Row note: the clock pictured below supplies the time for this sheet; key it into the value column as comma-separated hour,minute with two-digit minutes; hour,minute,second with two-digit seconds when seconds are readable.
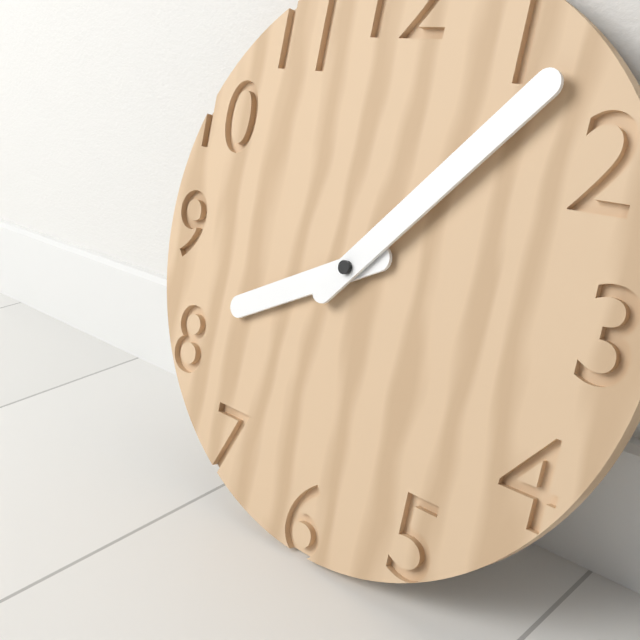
8,07
